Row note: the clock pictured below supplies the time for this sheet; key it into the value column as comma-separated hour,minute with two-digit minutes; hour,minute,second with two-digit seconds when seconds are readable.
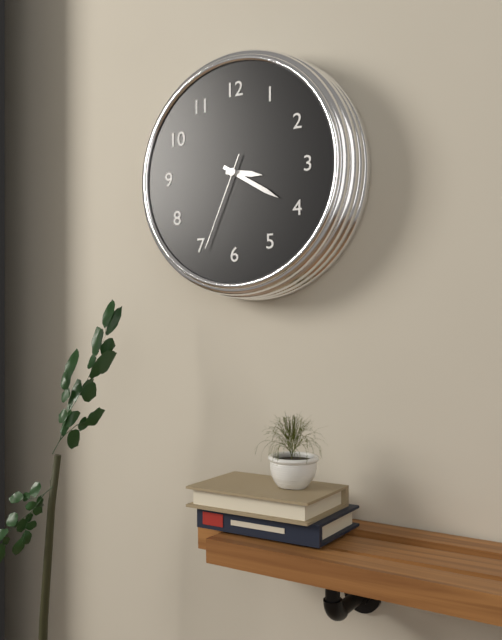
3,20,34
